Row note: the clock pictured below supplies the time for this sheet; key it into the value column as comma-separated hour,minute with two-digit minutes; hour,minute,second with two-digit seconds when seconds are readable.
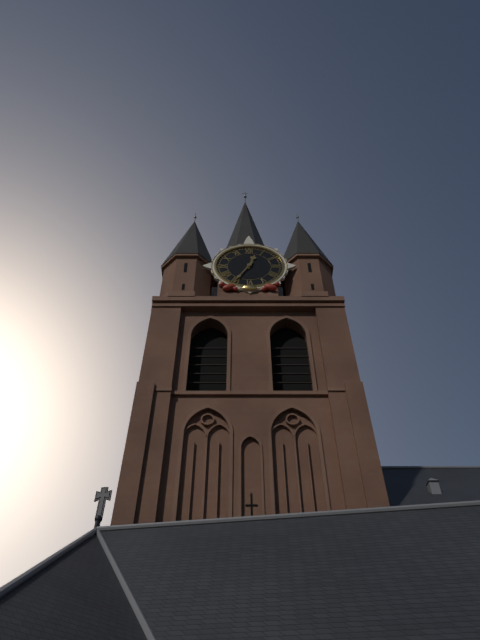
12,35
